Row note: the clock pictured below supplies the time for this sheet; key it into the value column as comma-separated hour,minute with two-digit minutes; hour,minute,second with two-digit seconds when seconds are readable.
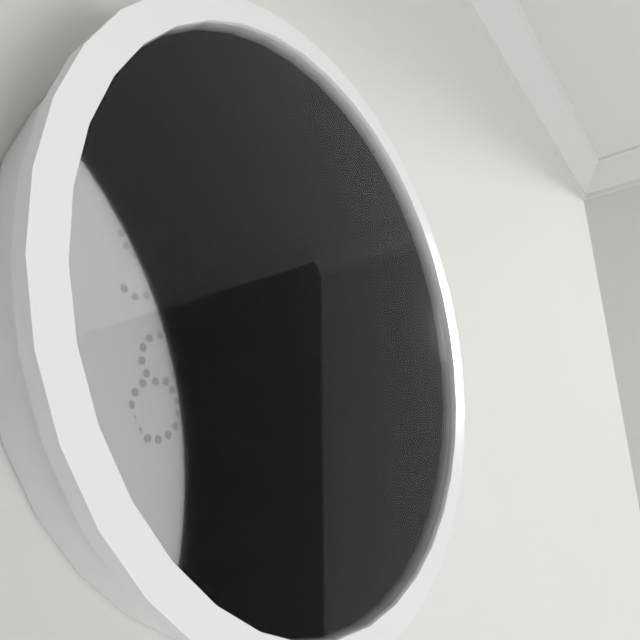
5,11
